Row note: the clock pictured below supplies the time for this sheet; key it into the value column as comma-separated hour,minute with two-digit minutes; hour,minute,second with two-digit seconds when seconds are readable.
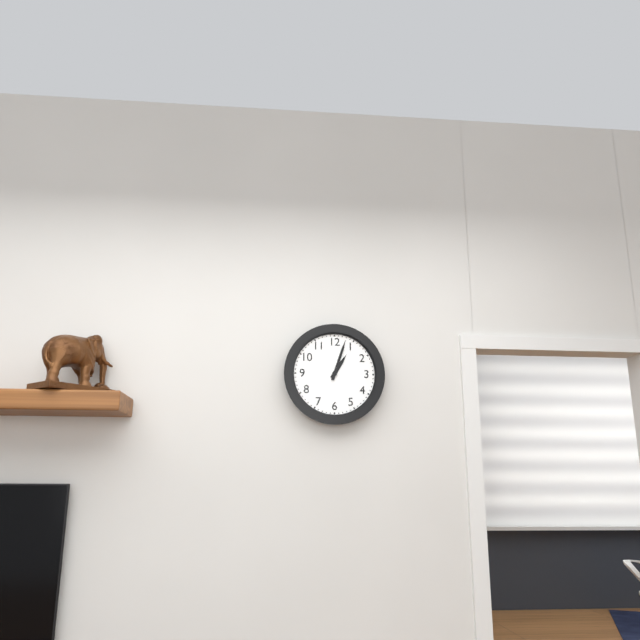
1,03
